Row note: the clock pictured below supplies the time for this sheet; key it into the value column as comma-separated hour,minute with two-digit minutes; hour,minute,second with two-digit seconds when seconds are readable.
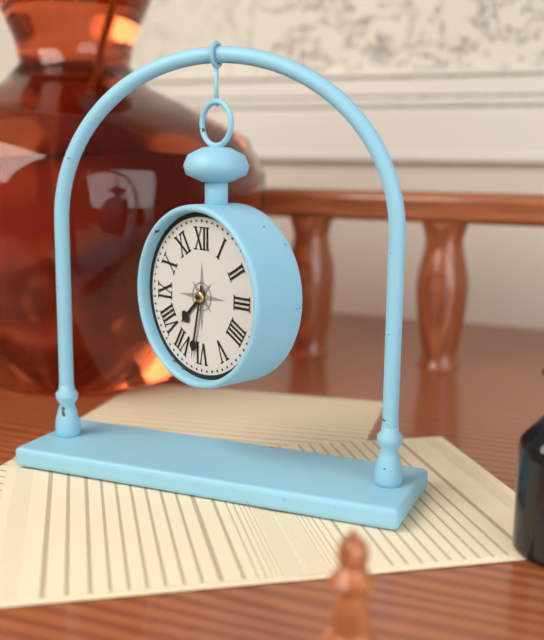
7,32
